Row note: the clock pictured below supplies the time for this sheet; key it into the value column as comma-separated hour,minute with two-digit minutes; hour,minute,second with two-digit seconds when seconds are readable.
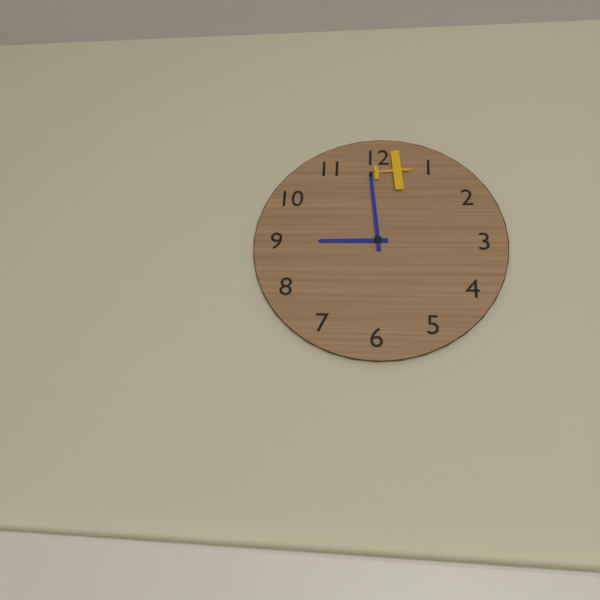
8,59
